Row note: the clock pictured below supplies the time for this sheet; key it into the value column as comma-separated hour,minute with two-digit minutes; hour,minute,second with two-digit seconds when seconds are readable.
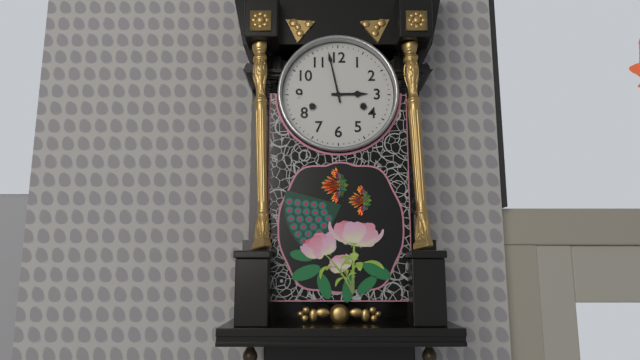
2,58
